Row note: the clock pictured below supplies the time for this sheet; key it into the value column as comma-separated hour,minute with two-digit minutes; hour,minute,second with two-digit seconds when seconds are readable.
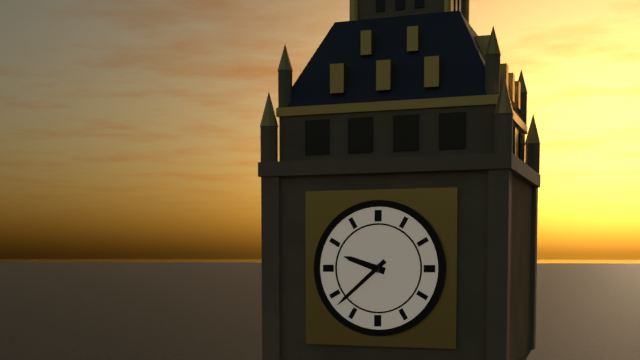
9,38
